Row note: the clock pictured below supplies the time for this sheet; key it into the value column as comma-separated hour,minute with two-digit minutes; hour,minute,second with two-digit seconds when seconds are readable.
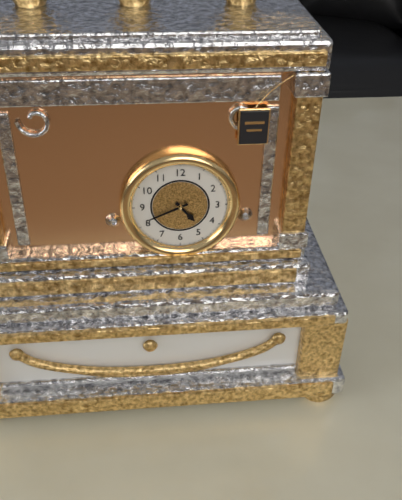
4,41
